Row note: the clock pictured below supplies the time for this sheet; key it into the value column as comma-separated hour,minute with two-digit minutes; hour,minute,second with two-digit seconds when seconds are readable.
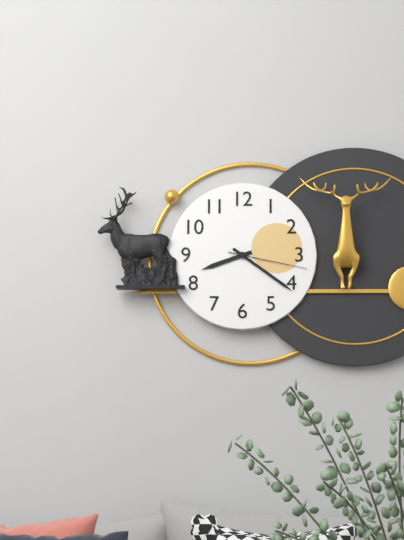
8,21,17
